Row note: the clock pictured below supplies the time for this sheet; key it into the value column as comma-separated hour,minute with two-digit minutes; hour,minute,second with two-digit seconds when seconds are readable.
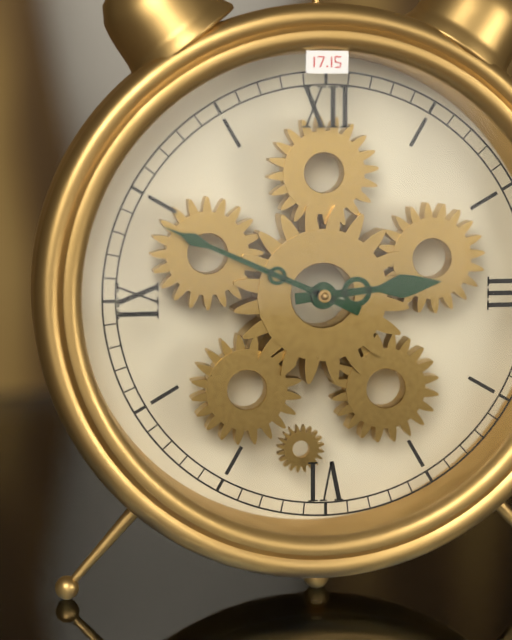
2,49
